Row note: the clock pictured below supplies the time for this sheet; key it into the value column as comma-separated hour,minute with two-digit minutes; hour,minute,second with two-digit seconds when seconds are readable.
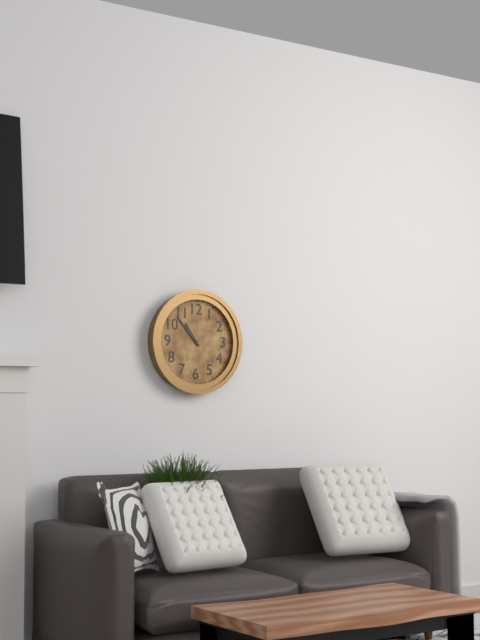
10,53
